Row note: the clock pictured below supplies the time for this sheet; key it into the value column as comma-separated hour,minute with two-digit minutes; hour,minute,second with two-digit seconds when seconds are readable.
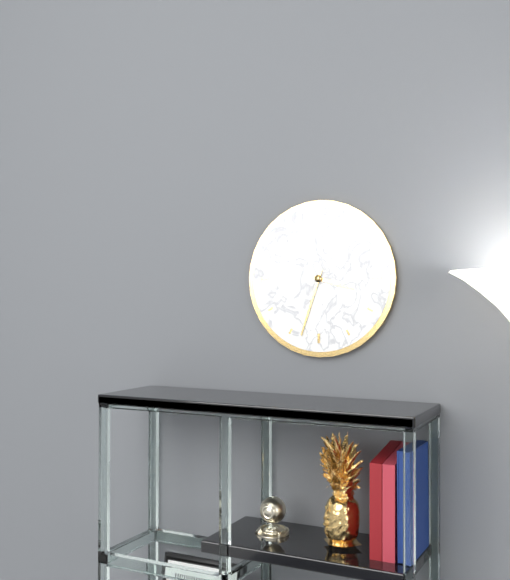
3,33
